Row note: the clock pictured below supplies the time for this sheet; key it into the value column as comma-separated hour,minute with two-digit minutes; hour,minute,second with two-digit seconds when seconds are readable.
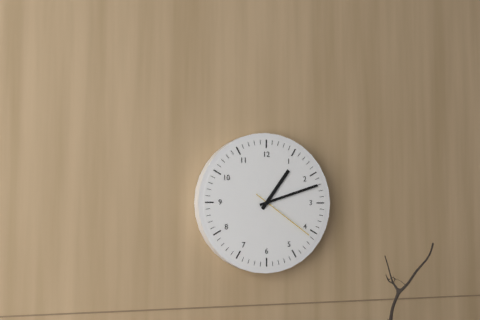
1,12,21
